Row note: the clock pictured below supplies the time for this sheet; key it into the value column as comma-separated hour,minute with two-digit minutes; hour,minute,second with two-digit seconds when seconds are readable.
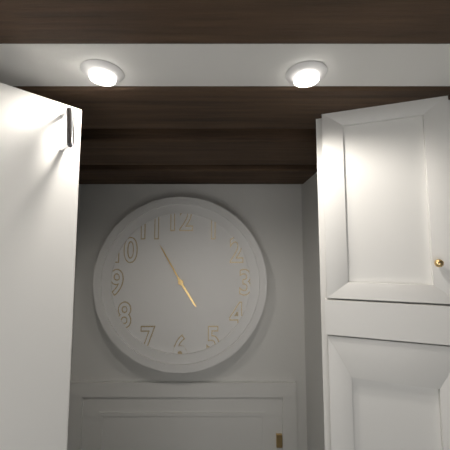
4,55
